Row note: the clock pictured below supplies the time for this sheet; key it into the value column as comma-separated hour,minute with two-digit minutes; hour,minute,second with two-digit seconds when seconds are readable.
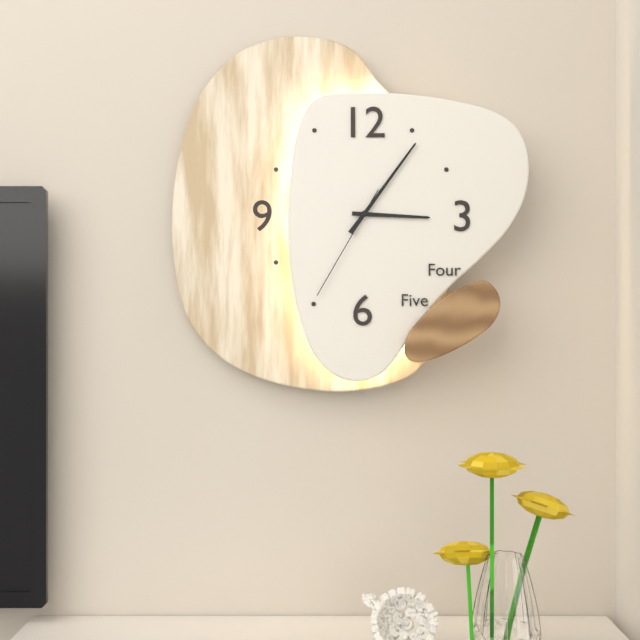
3,06,35
